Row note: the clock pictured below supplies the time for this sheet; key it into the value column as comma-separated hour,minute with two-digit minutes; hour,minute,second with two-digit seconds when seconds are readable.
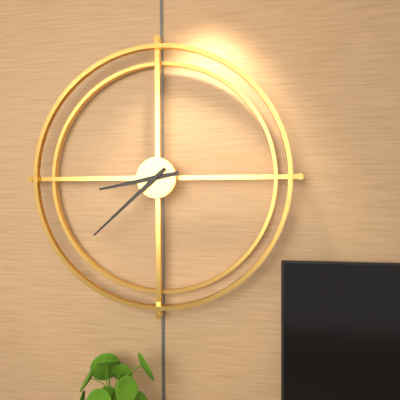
8,38
